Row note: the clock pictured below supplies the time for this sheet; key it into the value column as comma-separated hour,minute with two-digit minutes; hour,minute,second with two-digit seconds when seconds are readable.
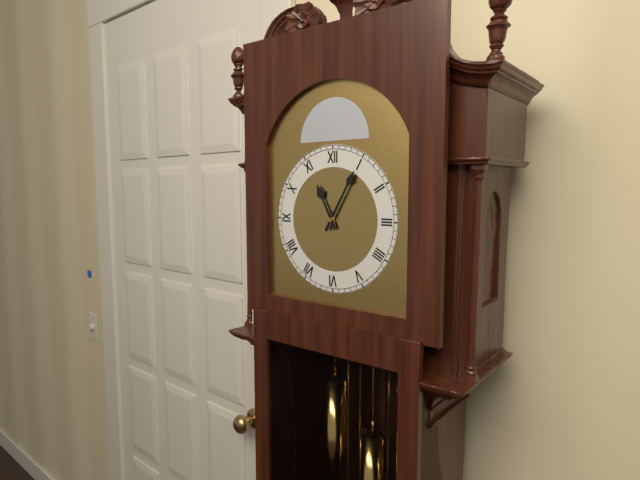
11,05
